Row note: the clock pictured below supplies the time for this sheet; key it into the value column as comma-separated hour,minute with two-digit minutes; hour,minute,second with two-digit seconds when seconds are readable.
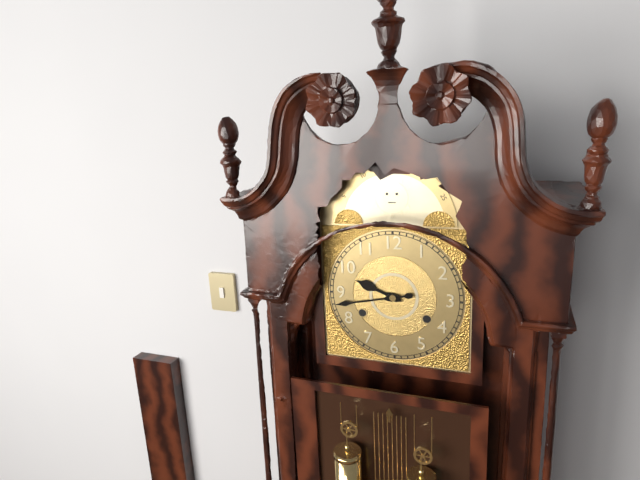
9,43
